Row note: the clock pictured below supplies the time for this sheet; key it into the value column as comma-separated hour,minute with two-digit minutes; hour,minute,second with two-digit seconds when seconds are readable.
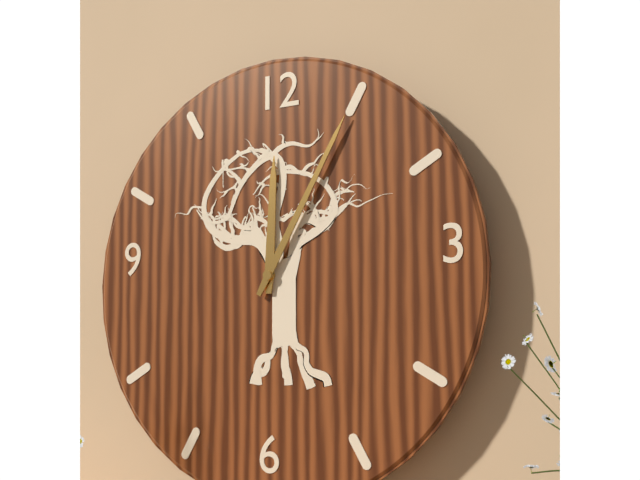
12,05
